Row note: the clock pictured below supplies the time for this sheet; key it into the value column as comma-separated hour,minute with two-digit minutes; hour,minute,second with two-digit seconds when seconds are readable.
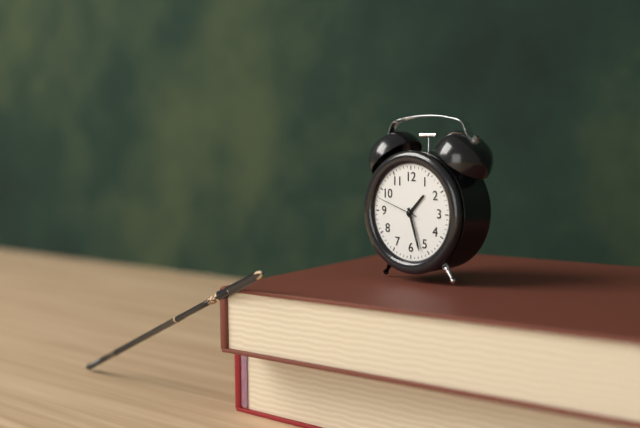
1,27
